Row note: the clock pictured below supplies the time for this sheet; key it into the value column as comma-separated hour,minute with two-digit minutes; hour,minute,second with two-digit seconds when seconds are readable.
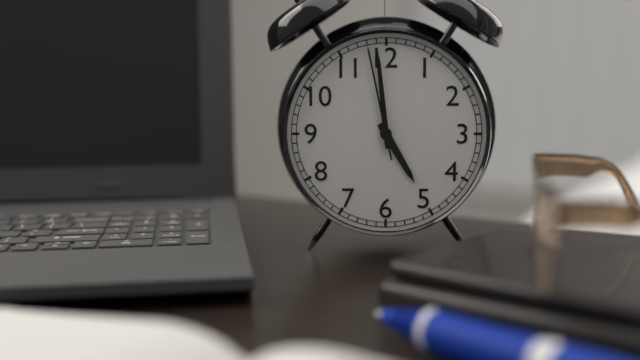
4,59,58
